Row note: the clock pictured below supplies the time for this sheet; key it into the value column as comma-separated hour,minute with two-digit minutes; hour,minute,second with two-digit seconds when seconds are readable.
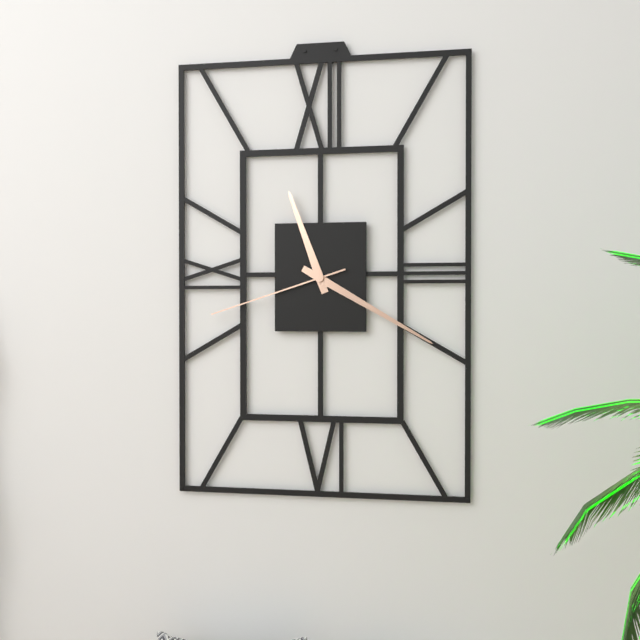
11,20,42
